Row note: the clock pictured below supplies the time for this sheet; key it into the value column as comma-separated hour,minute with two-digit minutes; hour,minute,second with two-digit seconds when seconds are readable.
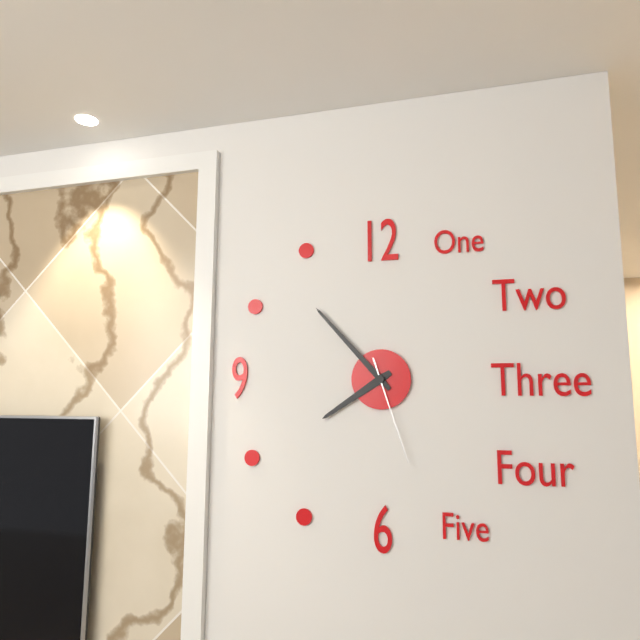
7,53,27
